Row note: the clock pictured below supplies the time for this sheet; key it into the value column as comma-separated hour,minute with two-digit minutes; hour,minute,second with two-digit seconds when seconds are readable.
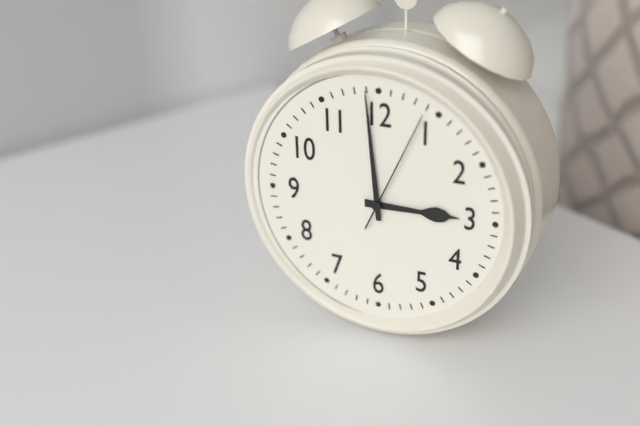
2,59,04
